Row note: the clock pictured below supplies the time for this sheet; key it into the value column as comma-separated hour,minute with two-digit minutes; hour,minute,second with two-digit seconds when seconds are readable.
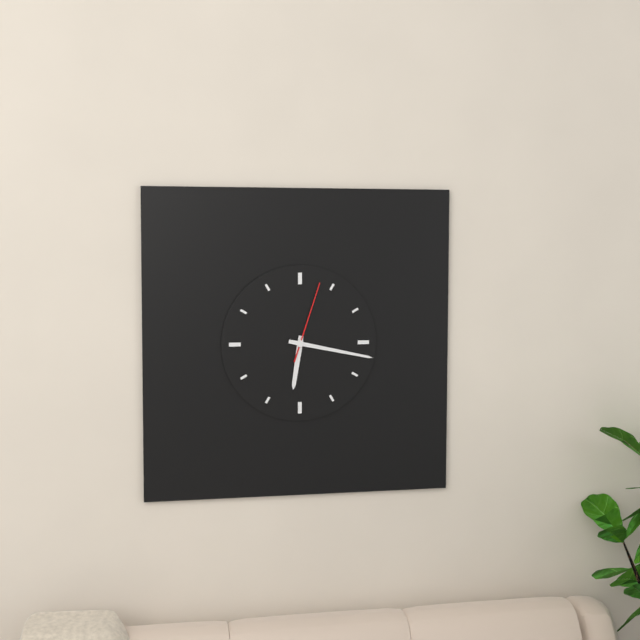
6,17,03
